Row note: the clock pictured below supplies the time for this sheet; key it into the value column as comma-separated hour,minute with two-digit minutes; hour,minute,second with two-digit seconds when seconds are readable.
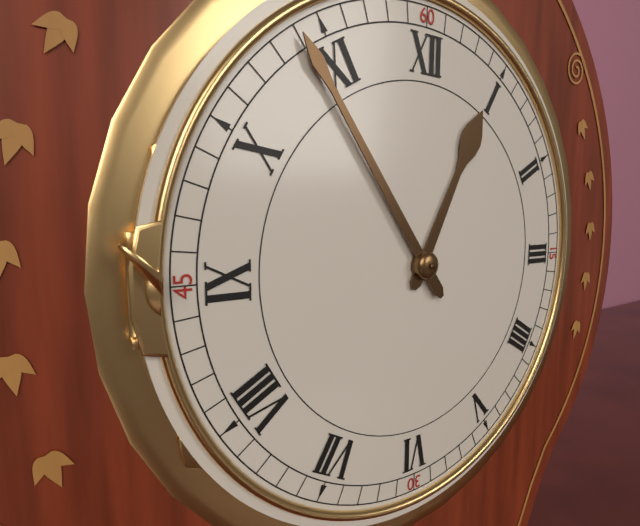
12,54
